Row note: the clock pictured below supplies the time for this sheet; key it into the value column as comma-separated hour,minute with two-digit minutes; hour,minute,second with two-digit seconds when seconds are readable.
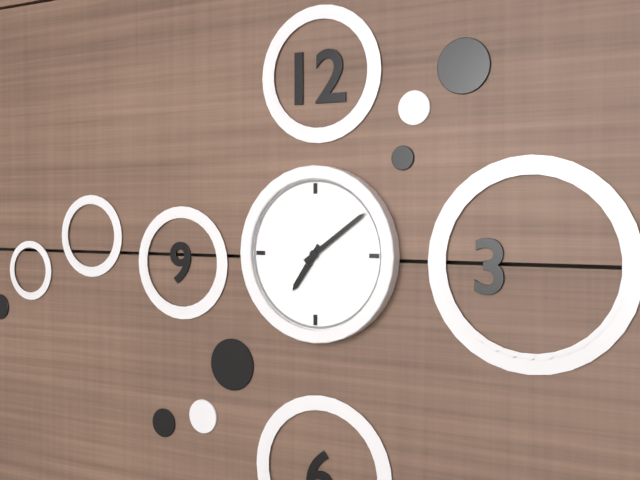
7,09
